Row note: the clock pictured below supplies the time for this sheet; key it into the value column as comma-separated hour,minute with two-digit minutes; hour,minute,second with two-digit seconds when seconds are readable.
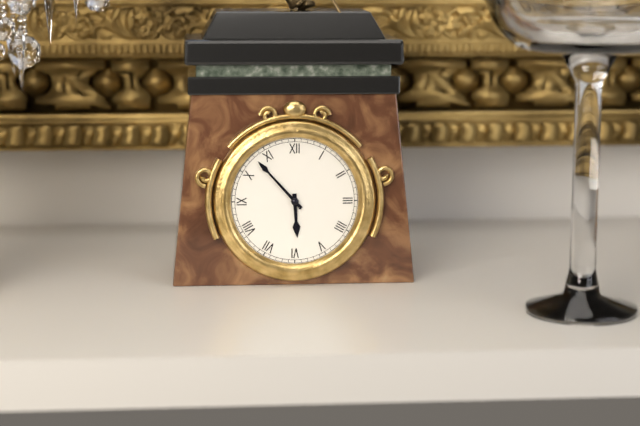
5,53
